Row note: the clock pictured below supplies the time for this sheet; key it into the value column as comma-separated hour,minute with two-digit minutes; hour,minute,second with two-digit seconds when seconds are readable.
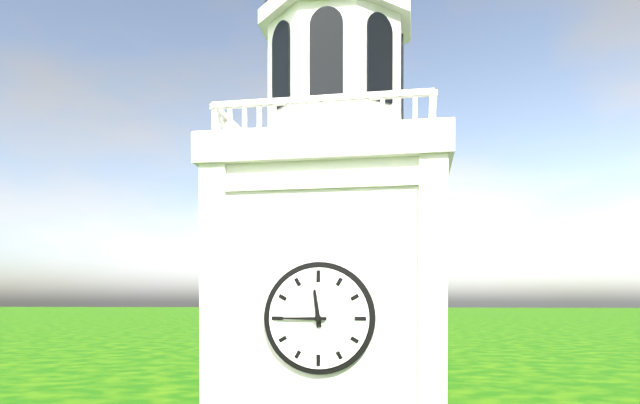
11,45
